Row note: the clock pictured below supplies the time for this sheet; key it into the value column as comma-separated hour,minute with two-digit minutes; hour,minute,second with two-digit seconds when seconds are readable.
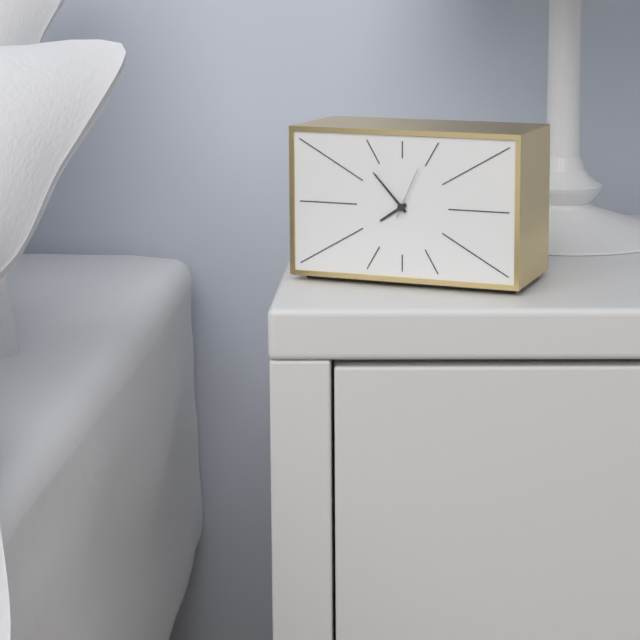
7,53,04
